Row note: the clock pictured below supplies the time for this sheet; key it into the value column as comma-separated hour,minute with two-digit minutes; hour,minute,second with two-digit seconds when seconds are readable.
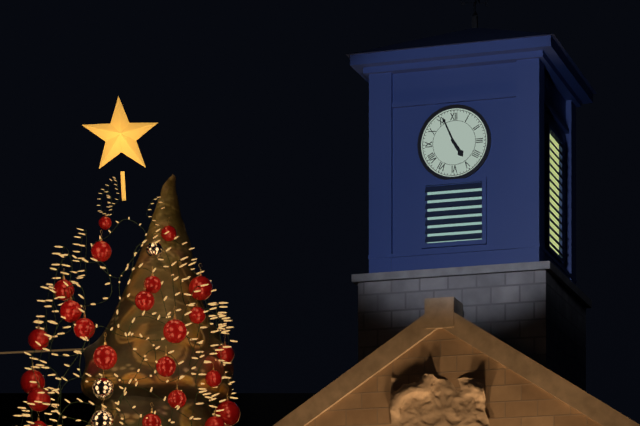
4,56
